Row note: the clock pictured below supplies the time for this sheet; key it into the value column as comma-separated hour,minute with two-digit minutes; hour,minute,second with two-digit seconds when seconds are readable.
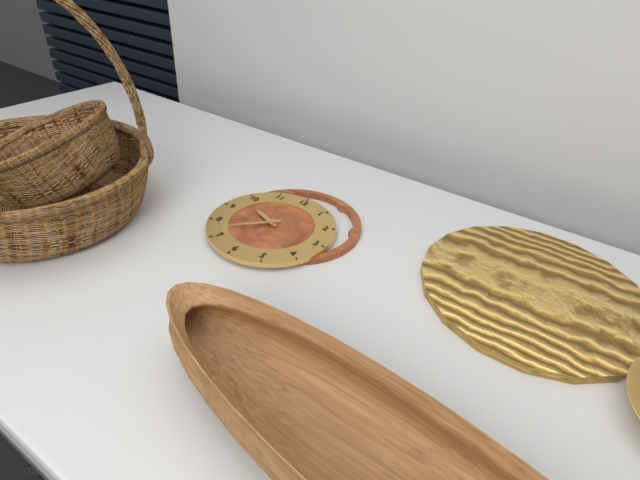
9,37
